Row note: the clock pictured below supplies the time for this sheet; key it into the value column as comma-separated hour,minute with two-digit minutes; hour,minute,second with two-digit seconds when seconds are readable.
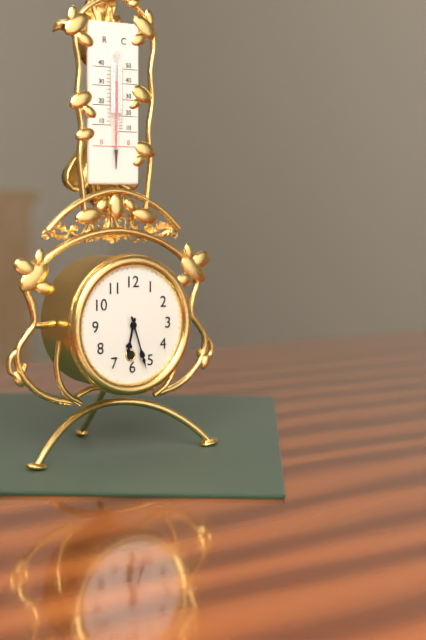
6,27
